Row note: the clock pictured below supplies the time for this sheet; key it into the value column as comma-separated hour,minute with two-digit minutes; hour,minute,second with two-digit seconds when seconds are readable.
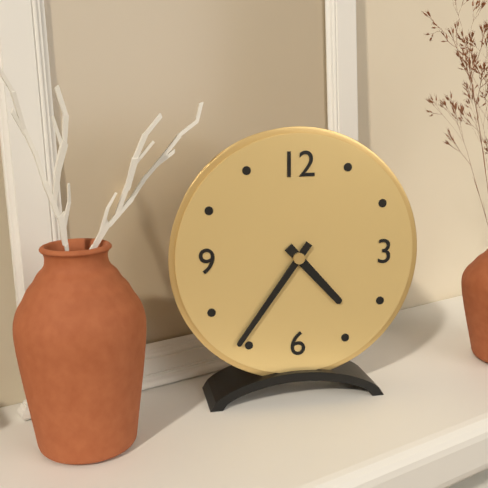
4,36
